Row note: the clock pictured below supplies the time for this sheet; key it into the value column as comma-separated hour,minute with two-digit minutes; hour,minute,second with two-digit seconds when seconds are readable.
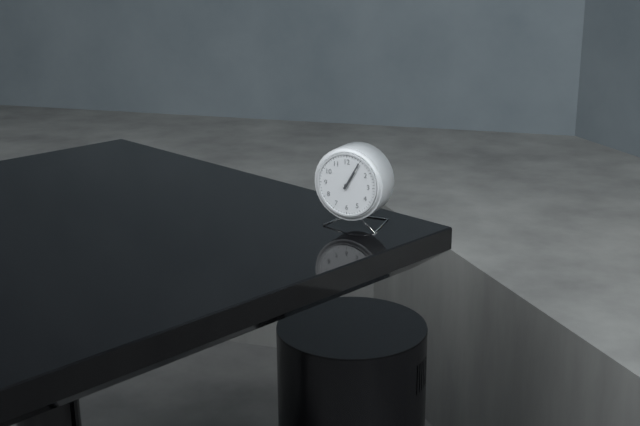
1,05
